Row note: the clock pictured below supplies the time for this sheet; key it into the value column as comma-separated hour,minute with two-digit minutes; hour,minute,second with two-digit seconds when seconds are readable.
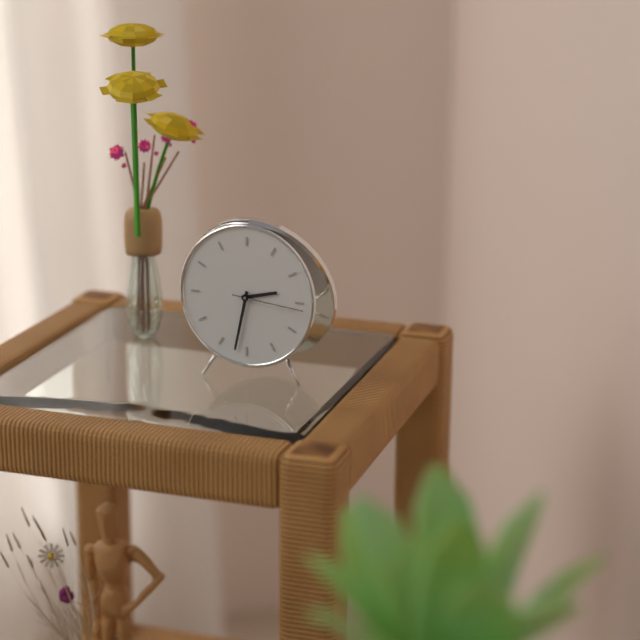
2,32,16
